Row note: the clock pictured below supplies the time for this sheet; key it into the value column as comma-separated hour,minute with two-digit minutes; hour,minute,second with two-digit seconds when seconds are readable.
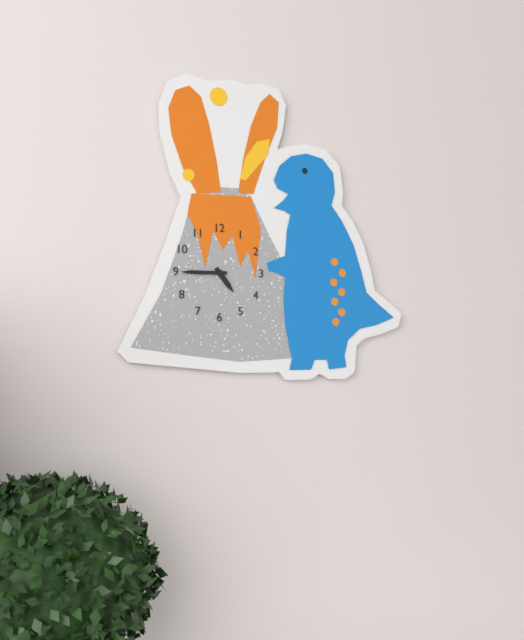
4,45
